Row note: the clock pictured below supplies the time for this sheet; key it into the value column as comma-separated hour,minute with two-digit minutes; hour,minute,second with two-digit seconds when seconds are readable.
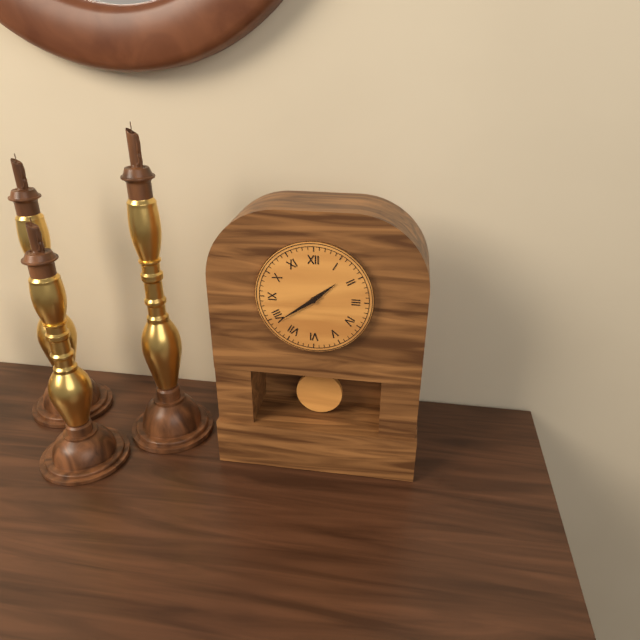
1,39
